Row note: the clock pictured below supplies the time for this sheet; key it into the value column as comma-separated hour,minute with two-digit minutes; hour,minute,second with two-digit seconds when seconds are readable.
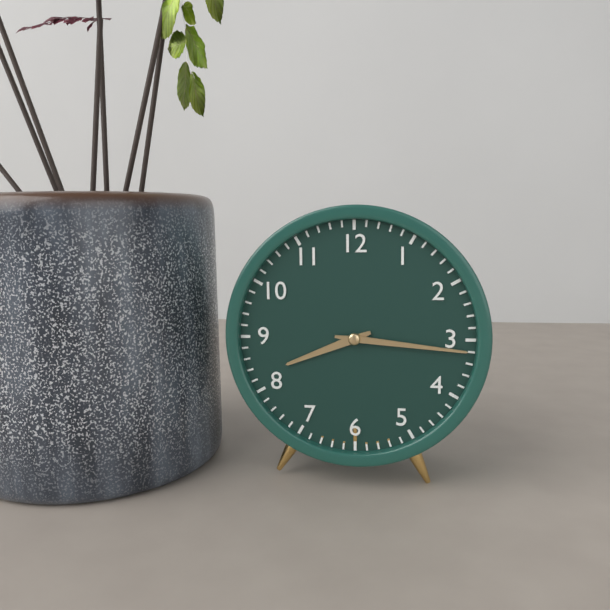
8,16
